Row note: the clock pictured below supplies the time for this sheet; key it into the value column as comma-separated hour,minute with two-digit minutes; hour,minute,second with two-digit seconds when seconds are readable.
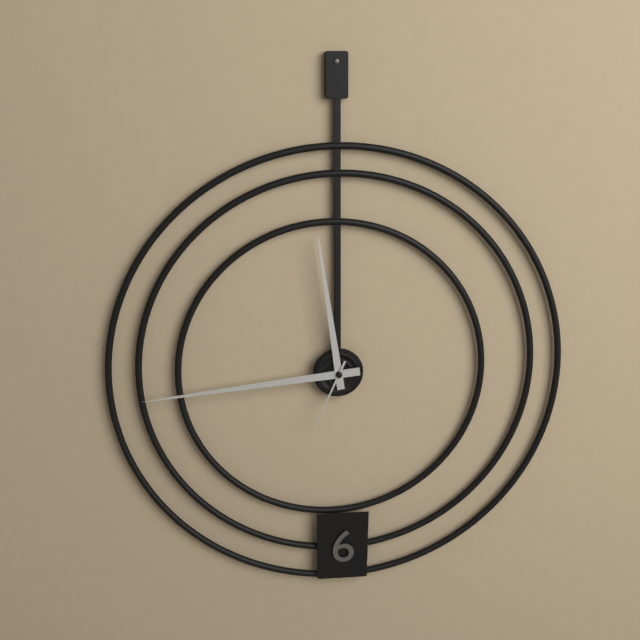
11,44,34
